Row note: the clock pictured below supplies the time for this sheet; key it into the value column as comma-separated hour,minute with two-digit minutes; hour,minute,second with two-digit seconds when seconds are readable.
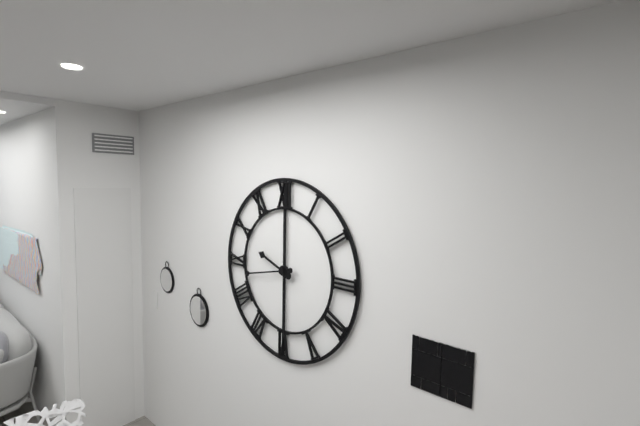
9,43
